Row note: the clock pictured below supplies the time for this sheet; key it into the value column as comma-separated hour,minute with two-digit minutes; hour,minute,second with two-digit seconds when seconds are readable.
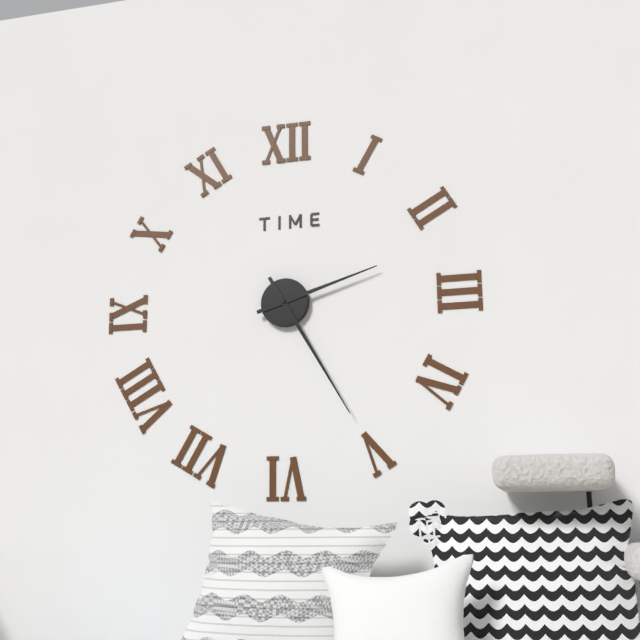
2,25
